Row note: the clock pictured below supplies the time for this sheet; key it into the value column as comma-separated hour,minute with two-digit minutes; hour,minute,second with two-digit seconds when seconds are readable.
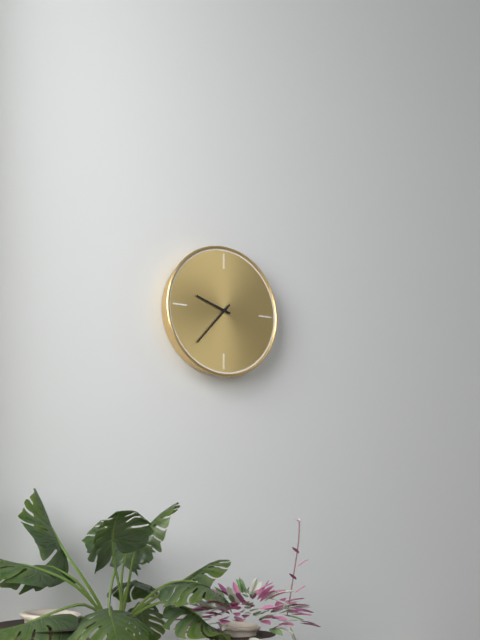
9,37
